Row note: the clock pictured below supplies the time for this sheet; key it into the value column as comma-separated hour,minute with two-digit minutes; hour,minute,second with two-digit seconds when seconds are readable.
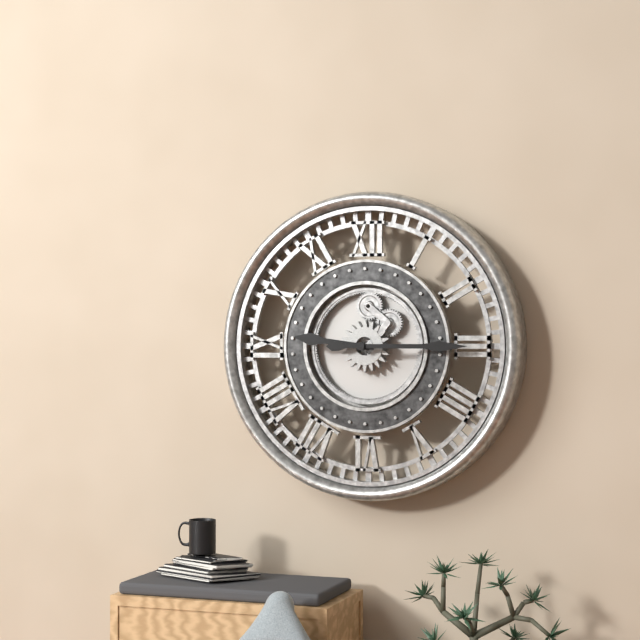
9,15
